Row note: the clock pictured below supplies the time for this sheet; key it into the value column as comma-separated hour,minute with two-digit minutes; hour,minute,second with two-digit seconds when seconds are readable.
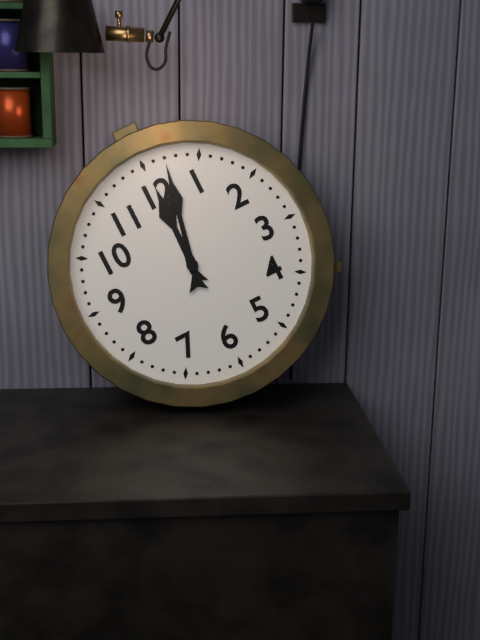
12,02
